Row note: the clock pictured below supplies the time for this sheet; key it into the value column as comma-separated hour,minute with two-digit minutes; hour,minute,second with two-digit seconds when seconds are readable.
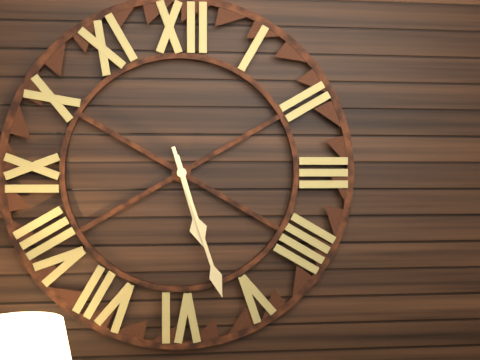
5,27
